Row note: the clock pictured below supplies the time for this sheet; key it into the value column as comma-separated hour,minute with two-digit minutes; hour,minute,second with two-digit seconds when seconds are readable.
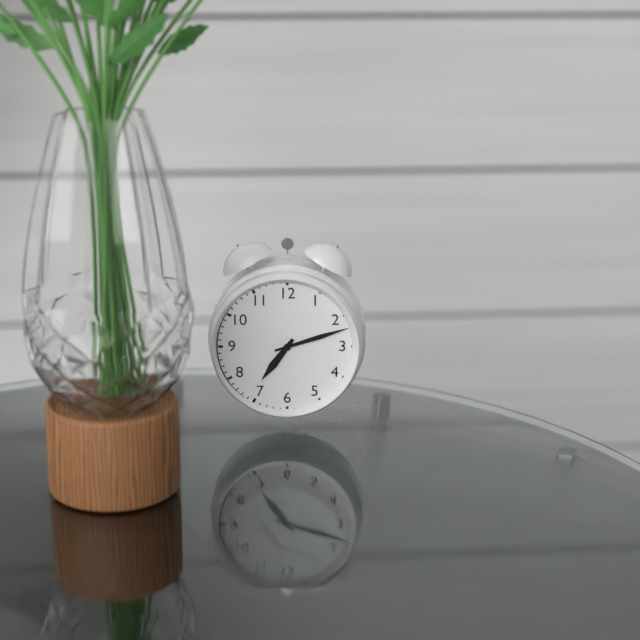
7,12
